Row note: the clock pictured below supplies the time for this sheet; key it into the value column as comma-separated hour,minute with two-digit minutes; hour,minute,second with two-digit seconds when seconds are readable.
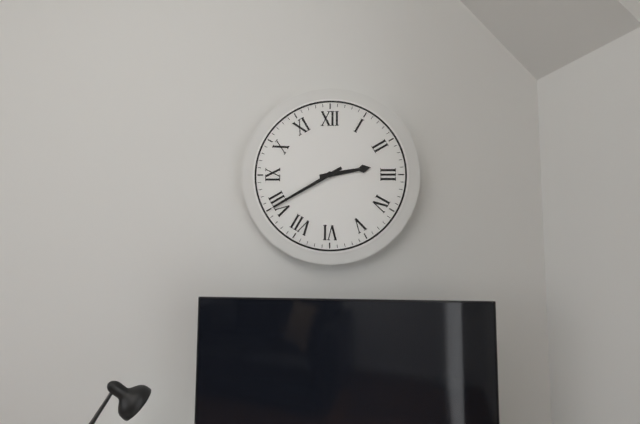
2,40
